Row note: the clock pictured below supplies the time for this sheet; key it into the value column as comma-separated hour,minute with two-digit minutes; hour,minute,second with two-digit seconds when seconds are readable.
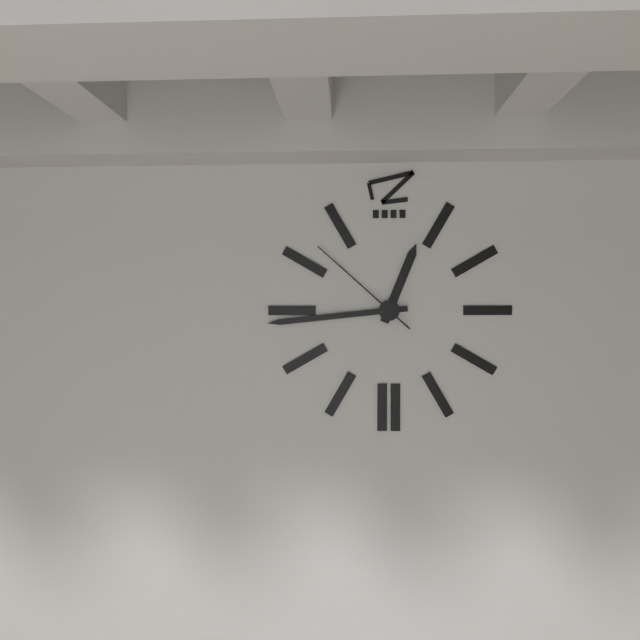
12,44,52
